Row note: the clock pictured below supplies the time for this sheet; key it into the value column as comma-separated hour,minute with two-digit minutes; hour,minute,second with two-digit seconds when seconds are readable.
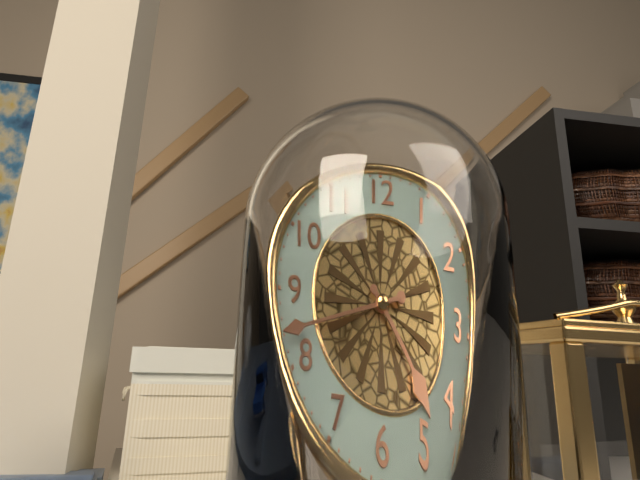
4,42
